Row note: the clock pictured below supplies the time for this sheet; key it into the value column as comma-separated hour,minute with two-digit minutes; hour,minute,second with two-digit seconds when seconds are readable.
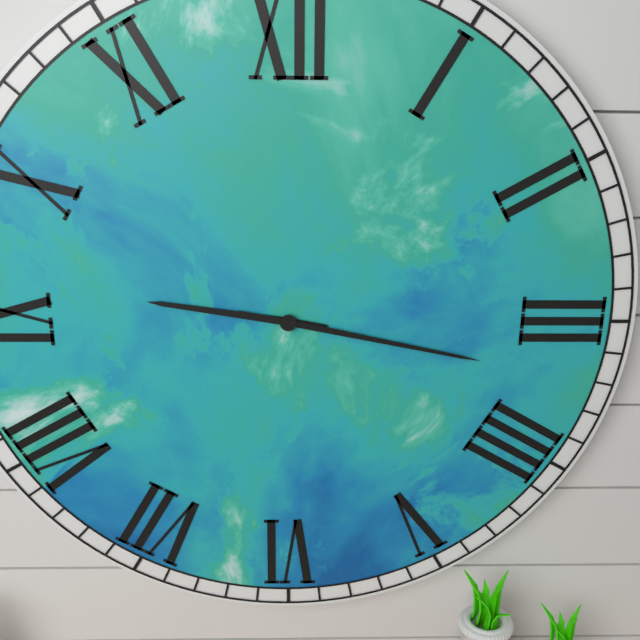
9,17
